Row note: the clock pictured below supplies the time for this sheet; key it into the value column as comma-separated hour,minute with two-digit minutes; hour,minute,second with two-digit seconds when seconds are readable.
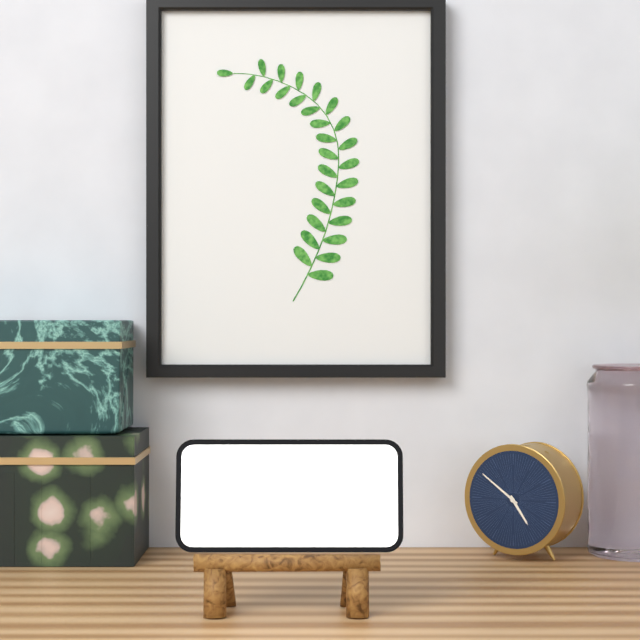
4,51
